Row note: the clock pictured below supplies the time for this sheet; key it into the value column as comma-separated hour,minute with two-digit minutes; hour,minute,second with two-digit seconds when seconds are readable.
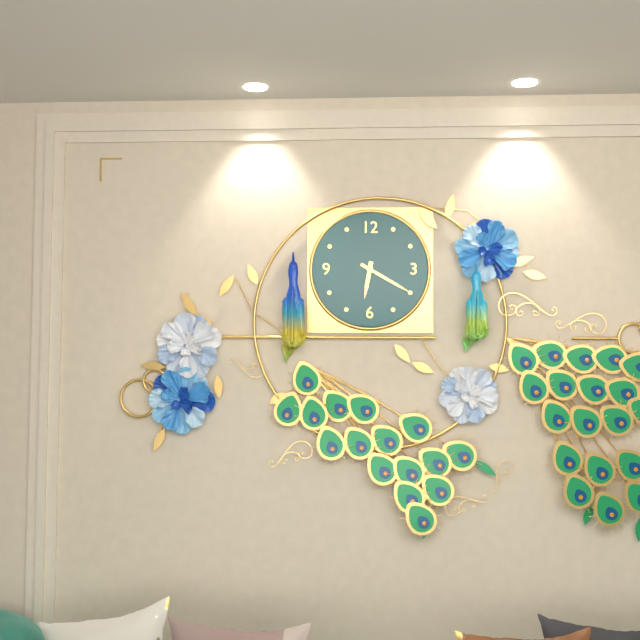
6,20
